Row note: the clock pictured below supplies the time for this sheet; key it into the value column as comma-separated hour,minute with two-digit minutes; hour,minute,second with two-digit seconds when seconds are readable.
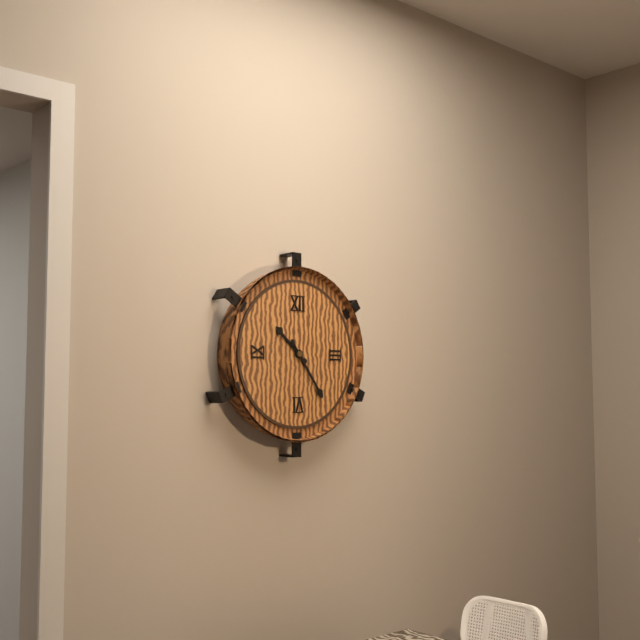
10,24
